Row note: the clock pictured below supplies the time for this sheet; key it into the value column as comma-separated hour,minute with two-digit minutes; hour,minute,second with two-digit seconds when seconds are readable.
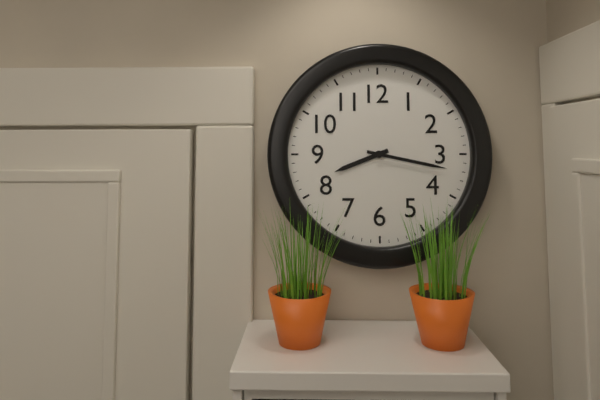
8,17
